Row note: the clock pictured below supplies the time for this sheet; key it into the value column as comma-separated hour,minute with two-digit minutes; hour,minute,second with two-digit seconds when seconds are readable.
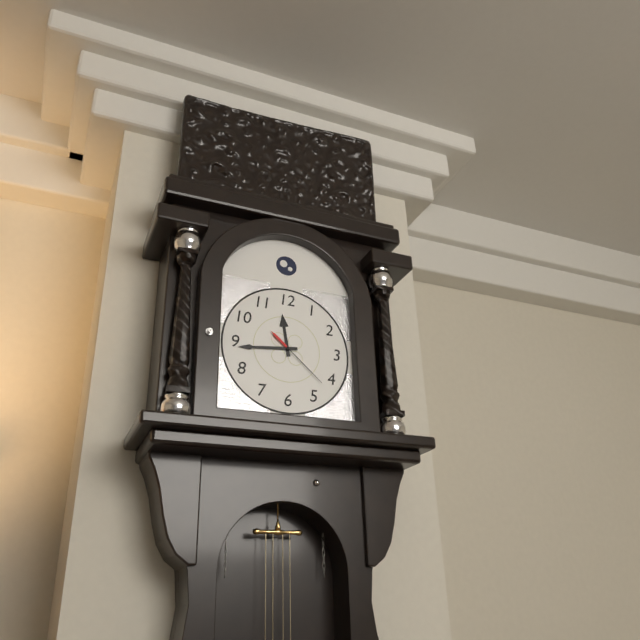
11,44,22
